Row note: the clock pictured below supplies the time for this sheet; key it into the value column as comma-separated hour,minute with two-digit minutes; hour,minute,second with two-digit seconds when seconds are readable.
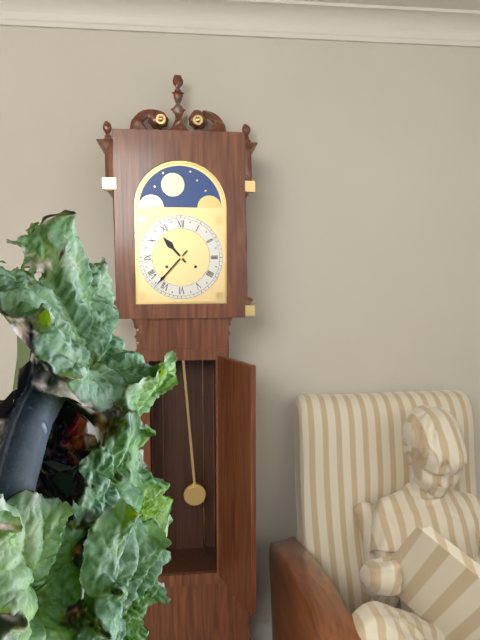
10,37
